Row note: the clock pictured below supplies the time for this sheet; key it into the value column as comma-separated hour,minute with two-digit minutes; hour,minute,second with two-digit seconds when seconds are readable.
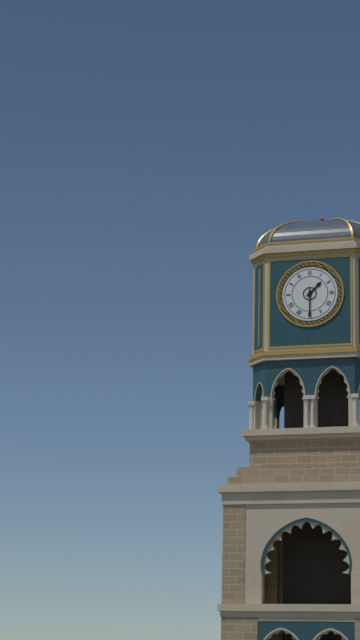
1,30
